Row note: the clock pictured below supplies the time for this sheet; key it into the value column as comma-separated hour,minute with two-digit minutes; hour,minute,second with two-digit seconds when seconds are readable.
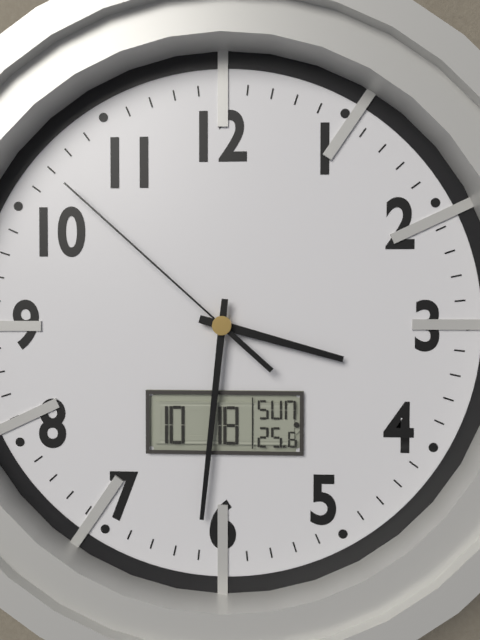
3,31,52
